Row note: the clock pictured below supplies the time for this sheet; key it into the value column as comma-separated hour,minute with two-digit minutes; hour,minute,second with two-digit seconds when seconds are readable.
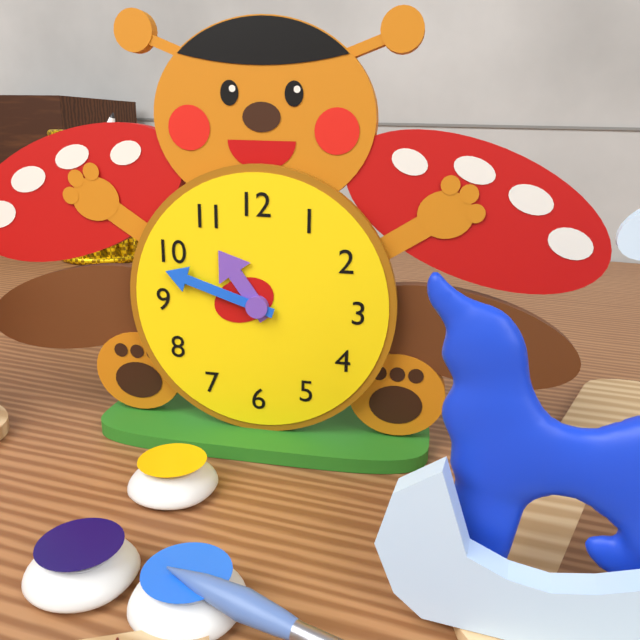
10,48
